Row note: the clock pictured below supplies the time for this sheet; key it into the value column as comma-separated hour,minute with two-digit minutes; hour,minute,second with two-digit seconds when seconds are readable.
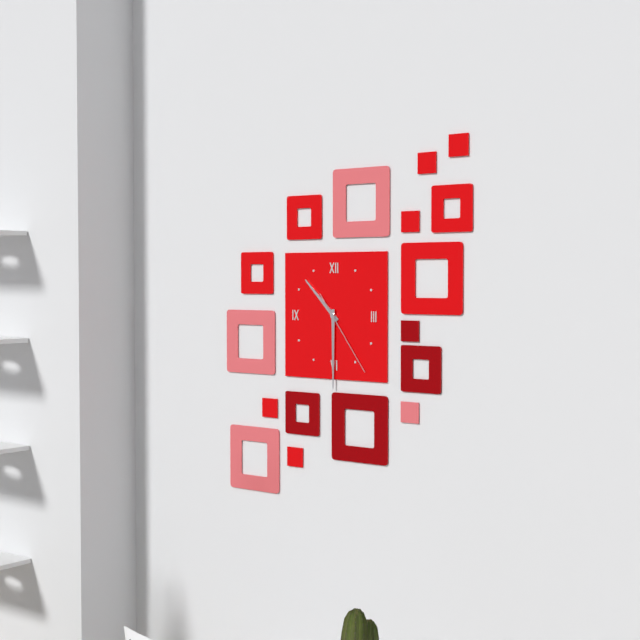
10,30,24
